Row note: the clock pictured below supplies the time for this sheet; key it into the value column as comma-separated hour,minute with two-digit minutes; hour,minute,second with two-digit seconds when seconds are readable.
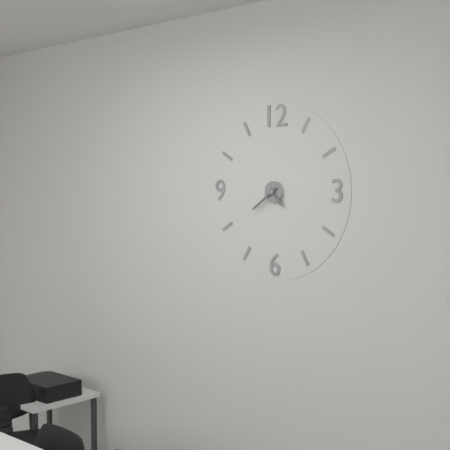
4,39
